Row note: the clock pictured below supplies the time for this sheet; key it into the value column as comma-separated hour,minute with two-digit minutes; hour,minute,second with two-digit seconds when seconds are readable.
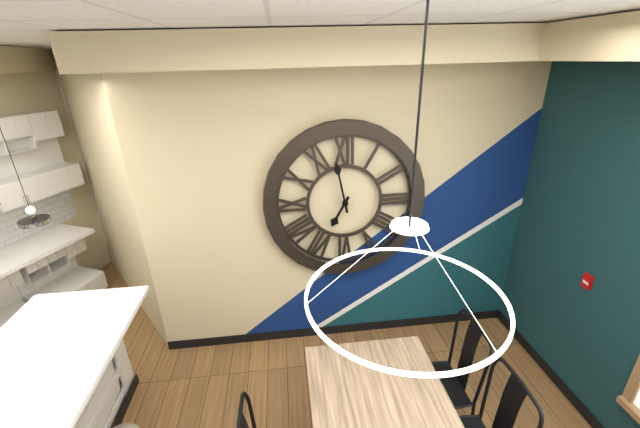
6,58
